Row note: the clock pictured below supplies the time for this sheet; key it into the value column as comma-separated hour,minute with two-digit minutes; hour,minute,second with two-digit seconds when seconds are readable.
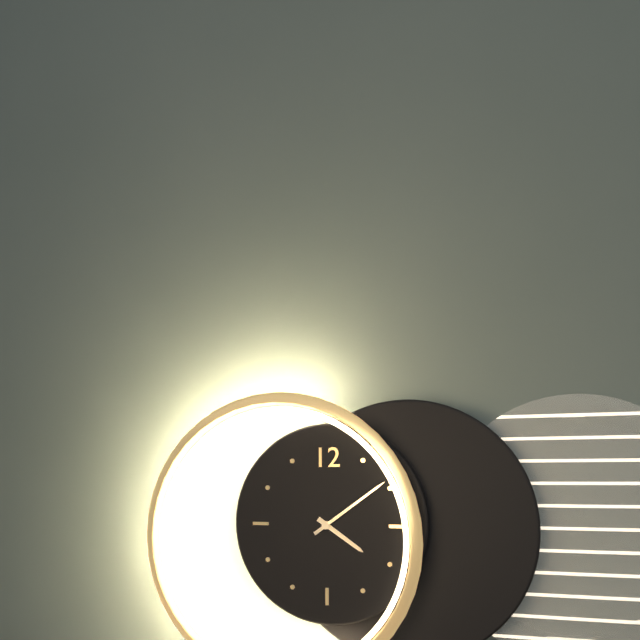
4,09
